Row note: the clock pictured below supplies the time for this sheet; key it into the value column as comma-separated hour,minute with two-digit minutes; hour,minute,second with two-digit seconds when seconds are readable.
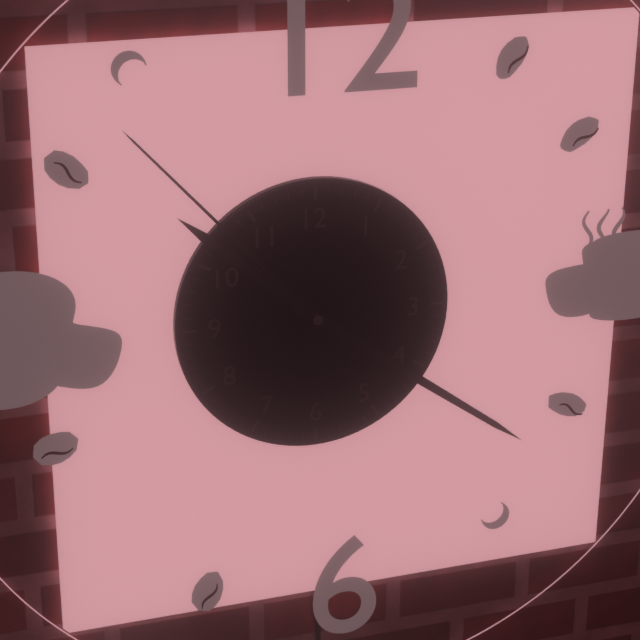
10,21,53
